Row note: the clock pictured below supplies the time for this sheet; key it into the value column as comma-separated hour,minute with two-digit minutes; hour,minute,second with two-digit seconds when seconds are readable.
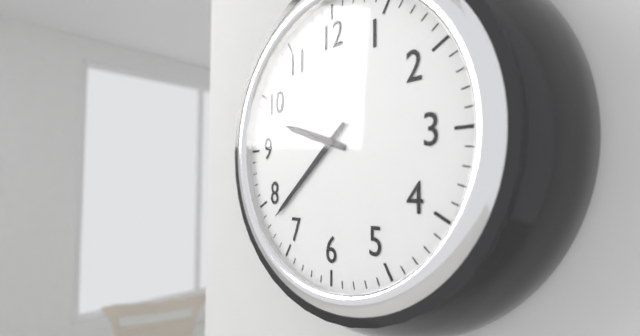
9,38
